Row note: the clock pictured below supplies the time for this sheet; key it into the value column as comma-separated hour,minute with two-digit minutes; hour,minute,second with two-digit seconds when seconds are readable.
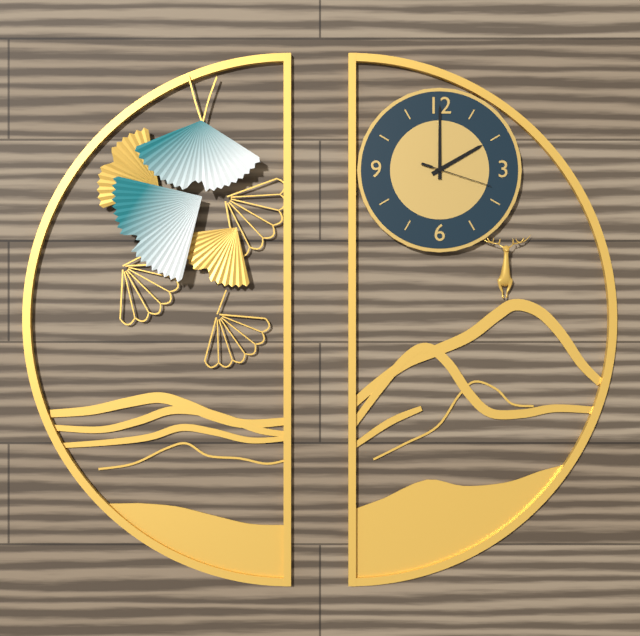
2,00,18
